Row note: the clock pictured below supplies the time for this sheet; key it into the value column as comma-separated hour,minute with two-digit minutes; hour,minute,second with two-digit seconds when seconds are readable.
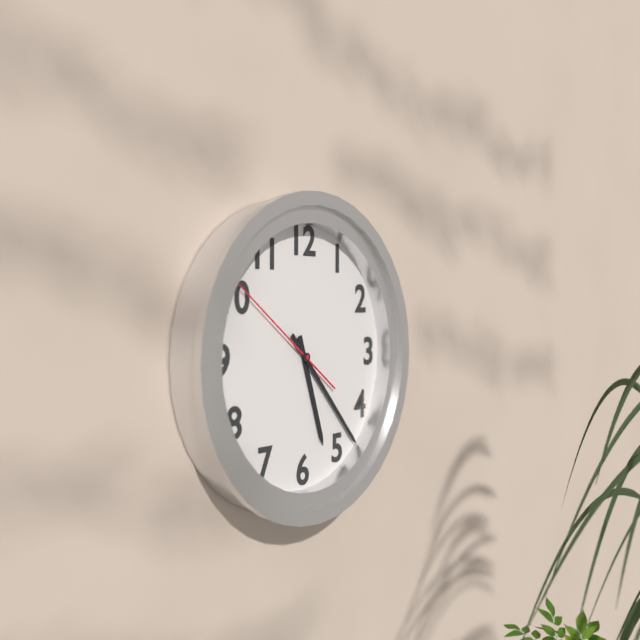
5,23,51
